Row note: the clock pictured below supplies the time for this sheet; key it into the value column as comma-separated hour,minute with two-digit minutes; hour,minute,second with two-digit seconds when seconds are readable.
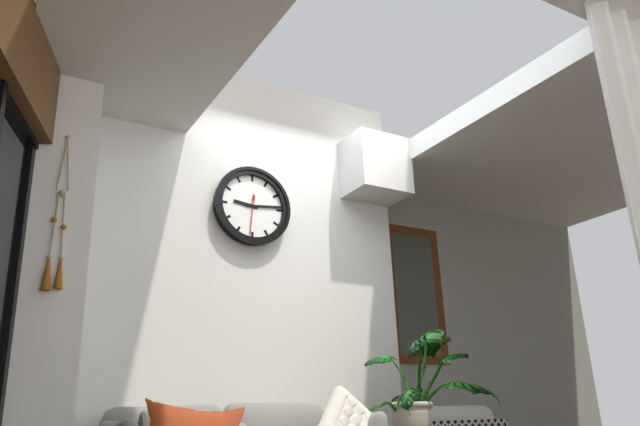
9,14
